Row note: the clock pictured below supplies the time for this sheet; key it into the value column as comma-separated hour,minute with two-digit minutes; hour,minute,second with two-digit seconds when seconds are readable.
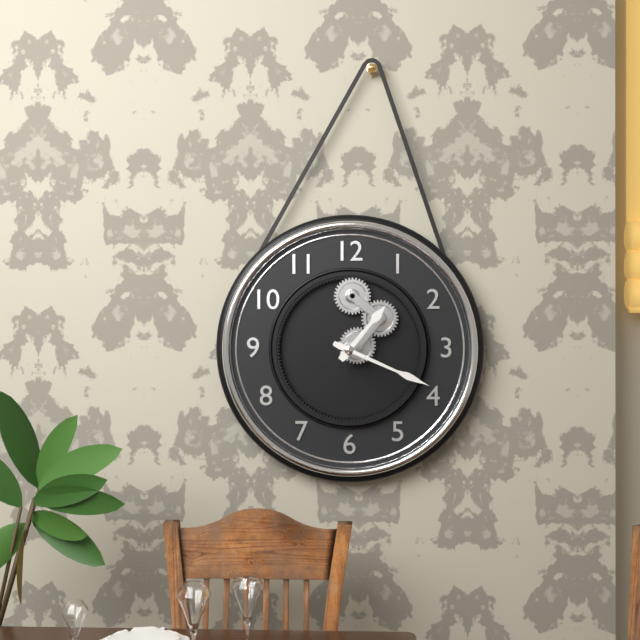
1,19
